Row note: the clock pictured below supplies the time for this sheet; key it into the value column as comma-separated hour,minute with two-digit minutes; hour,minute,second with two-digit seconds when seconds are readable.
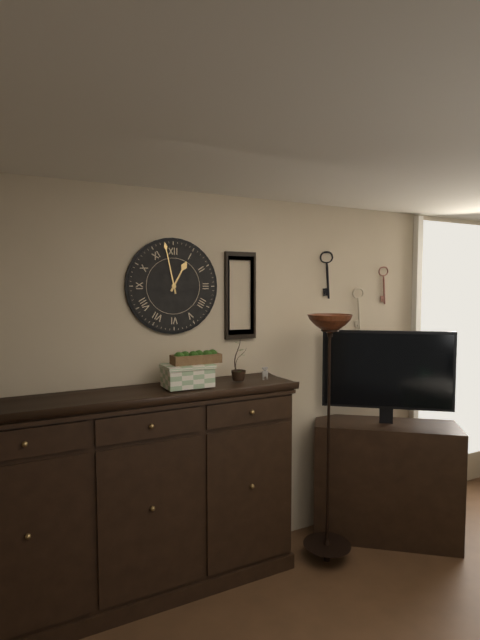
12,58
